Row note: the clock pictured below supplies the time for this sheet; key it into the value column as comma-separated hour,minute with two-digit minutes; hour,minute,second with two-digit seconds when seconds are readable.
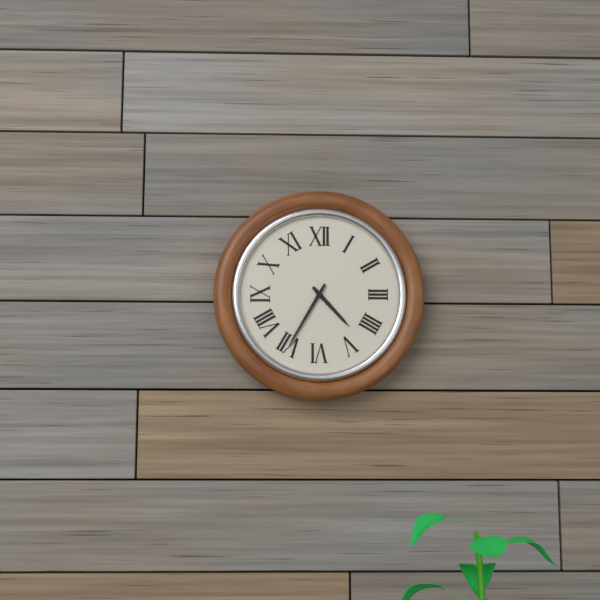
4,35
